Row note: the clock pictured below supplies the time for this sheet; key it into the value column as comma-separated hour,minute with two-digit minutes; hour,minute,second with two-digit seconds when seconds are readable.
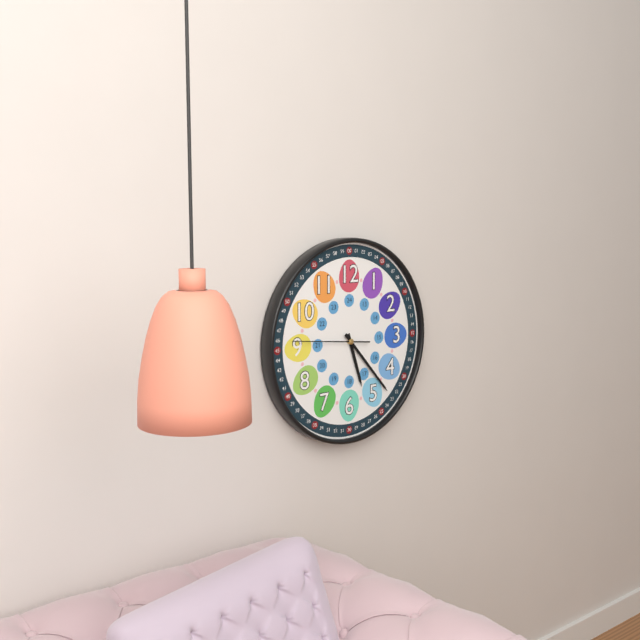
5,23,46
